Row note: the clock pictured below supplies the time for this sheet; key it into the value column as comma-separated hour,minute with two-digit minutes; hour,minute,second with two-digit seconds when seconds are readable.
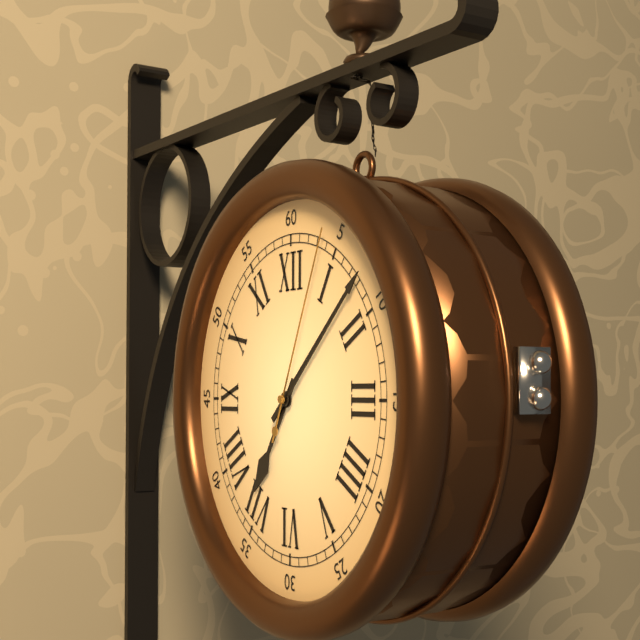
7,08,04
